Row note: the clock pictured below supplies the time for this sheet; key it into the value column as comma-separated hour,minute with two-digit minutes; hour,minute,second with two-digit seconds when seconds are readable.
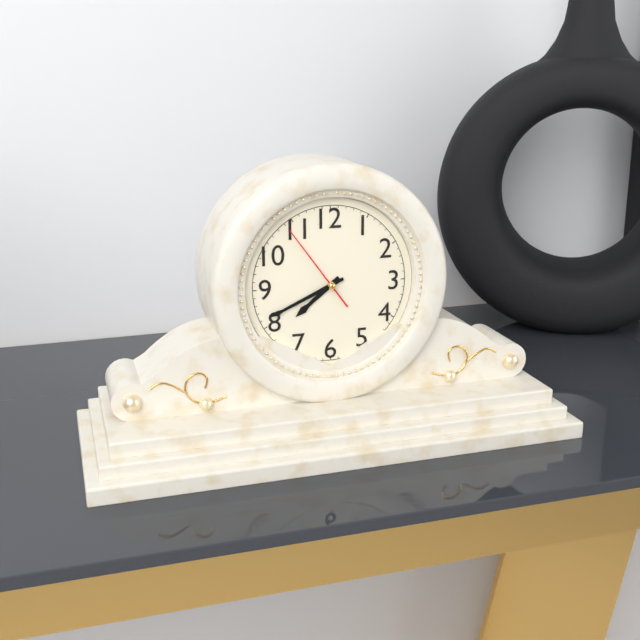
7,41,54
